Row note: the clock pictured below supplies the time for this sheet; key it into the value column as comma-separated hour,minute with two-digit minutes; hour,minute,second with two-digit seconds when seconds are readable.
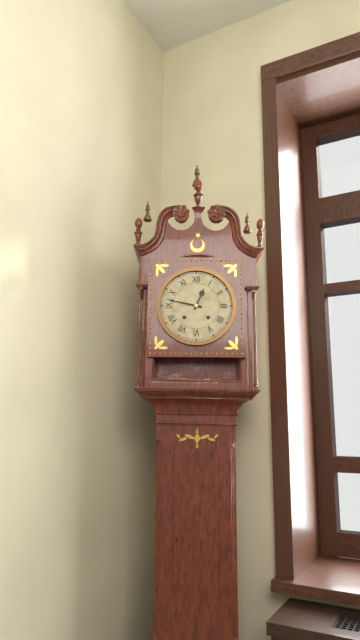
12,47
